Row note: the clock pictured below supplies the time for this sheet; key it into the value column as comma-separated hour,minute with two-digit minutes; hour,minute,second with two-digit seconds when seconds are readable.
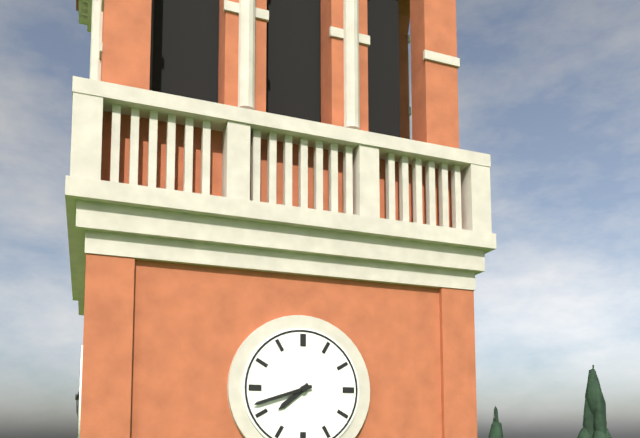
7,42
